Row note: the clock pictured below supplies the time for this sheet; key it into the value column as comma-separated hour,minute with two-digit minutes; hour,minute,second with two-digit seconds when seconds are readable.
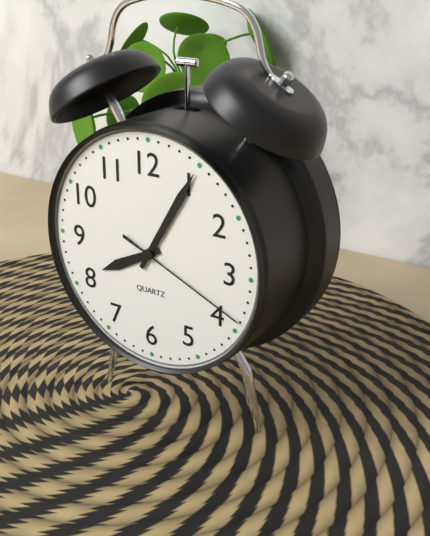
8,05,19
